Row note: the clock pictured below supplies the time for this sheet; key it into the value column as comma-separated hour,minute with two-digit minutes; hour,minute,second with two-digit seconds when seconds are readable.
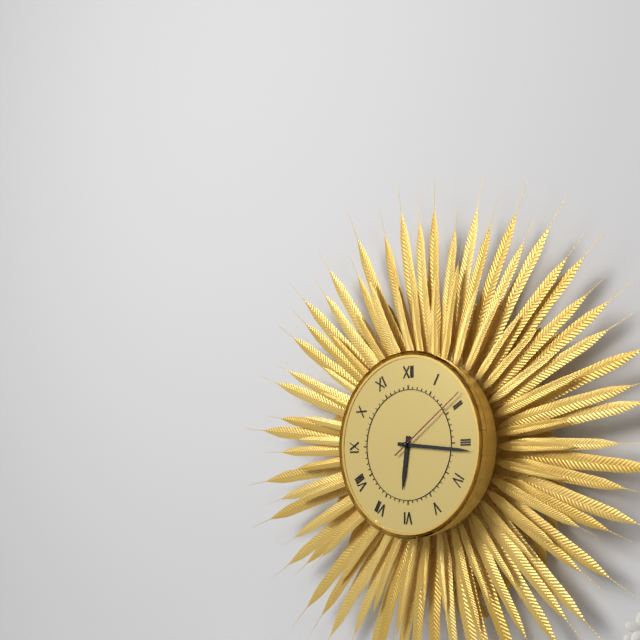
6,16,09
